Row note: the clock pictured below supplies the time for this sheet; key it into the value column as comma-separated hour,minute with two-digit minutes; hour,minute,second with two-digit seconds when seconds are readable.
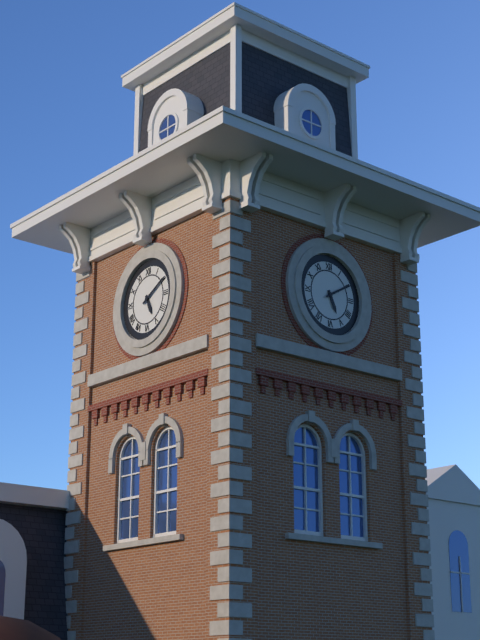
5,10
